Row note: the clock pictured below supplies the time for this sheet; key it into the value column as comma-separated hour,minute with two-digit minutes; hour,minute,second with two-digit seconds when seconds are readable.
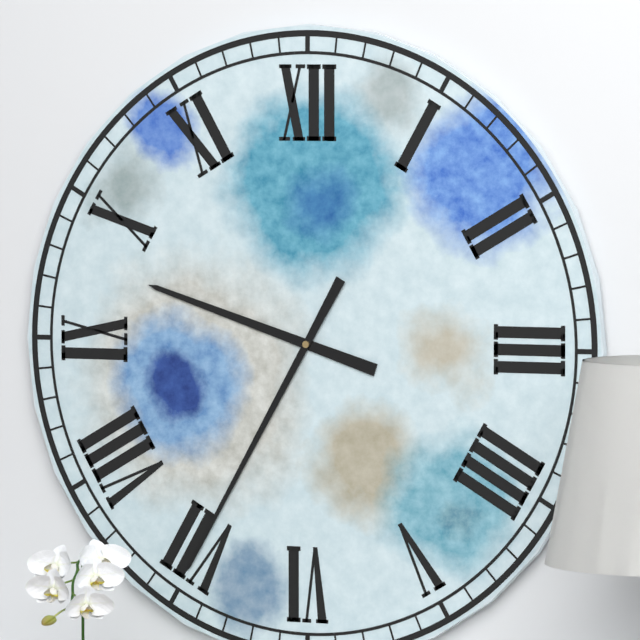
9,35
